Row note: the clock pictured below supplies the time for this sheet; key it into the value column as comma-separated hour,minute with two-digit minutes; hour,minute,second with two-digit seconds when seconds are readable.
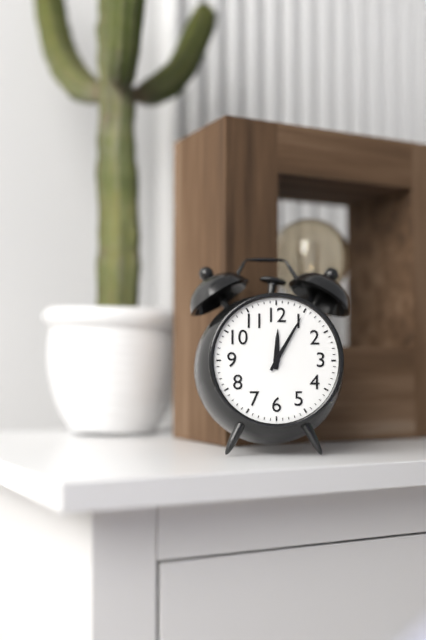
12,05
